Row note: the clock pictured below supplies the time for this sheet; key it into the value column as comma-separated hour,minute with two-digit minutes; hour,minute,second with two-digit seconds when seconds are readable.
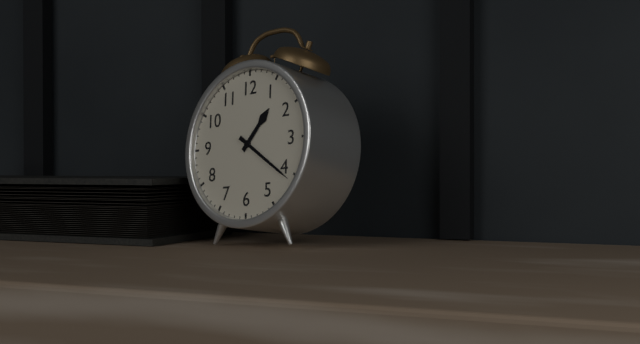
1,21
